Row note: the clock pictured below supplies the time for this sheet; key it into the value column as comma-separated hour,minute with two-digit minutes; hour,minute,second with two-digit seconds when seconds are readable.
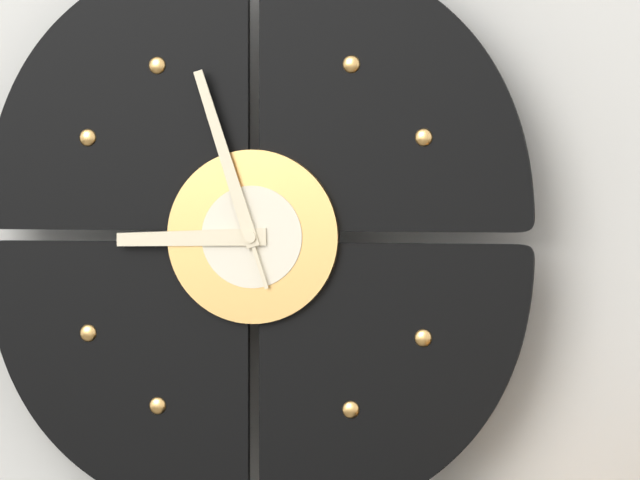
8,57
